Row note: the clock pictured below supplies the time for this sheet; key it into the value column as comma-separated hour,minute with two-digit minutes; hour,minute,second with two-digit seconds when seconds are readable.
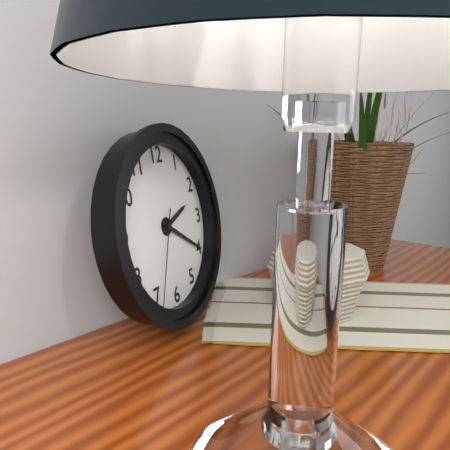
2,20,34
